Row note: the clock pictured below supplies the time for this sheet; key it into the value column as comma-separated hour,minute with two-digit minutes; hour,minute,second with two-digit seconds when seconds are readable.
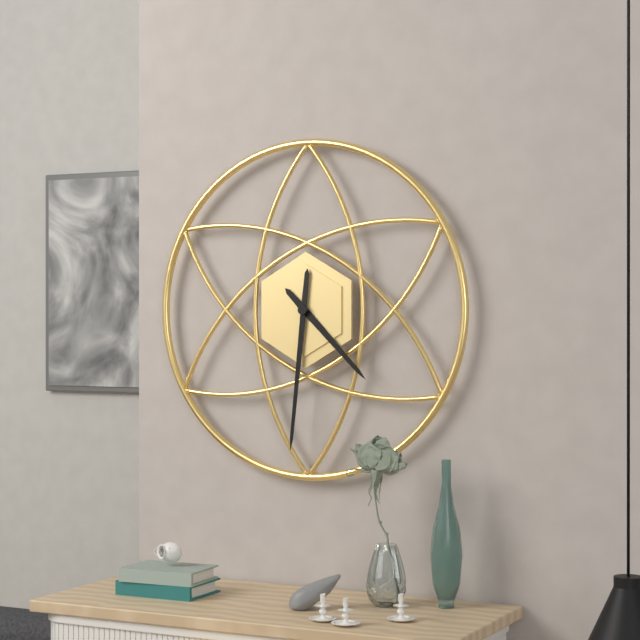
4,31
